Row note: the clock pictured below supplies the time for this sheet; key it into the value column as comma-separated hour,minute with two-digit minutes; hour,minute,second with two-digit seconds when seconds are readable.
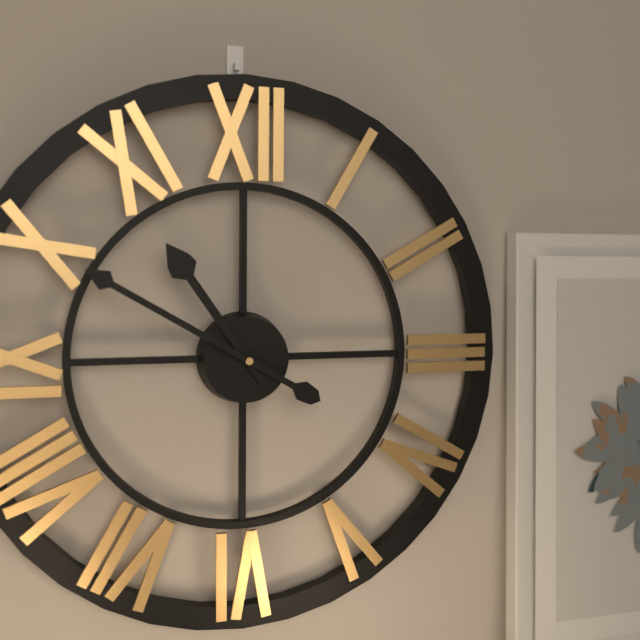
10,50
